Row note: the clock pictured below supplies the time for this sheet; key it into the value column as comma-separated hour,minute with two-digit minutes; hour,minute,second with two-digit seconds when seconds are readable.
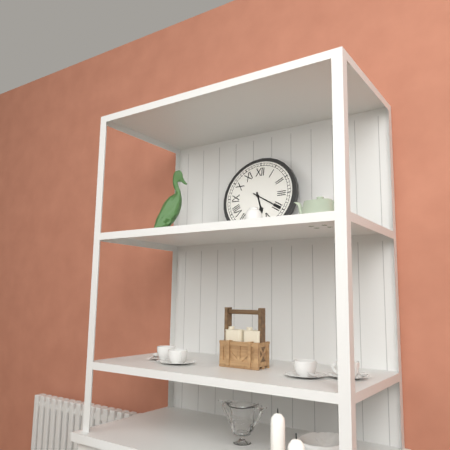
5,20
